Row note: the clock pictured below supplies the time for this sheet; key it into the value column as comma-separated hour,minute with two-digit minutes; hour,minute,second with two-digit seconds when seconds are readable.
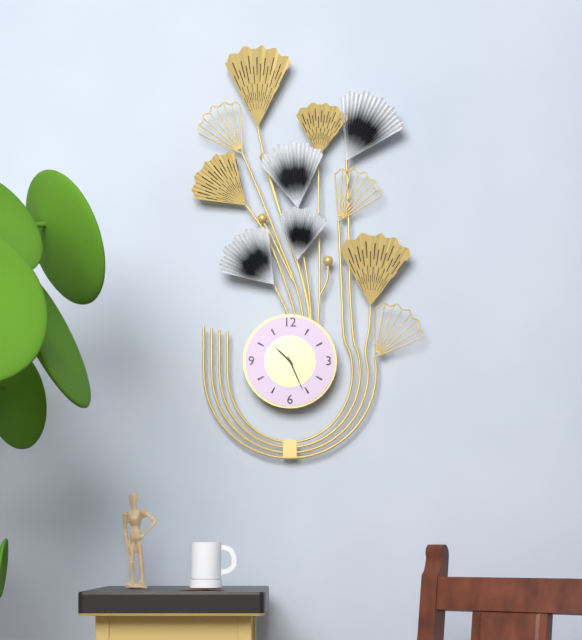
10,26
